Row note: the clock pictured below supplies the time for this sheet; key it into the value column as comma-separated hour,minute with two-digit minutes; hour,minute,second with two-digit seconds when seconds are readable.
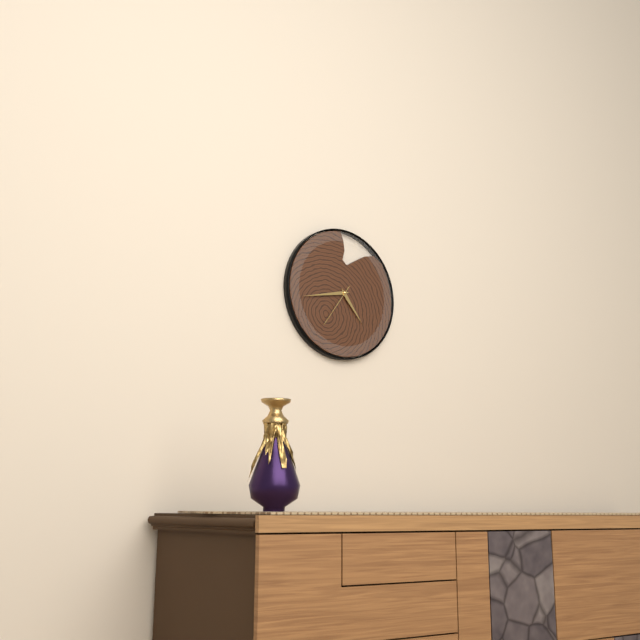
4,43
